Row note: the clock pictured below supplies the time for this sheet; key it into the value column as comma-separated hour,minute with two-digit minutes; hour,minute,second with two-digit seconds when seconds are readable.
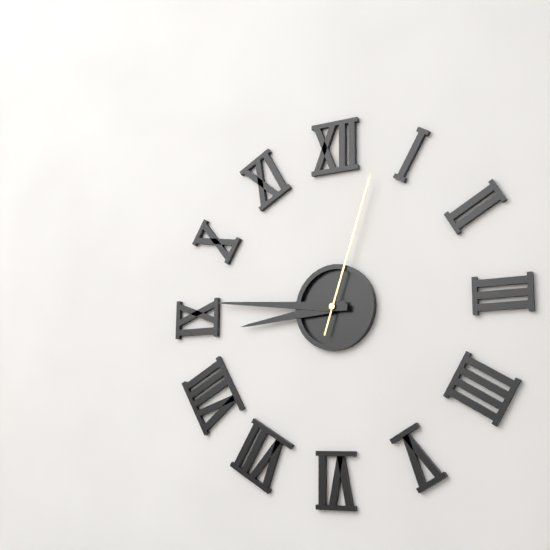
8,46,03
